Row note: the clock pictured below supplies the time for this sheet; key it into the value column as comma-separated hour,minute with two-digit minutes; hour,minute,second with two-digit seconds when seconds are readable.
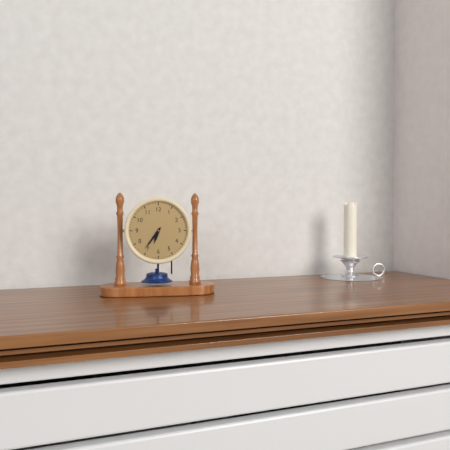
6,36
